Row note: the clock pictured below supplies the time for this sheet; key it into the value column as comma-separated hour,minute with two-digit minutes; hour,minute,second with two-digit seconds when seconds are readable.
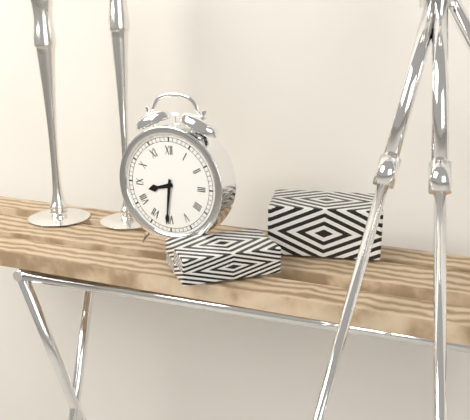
8,31
